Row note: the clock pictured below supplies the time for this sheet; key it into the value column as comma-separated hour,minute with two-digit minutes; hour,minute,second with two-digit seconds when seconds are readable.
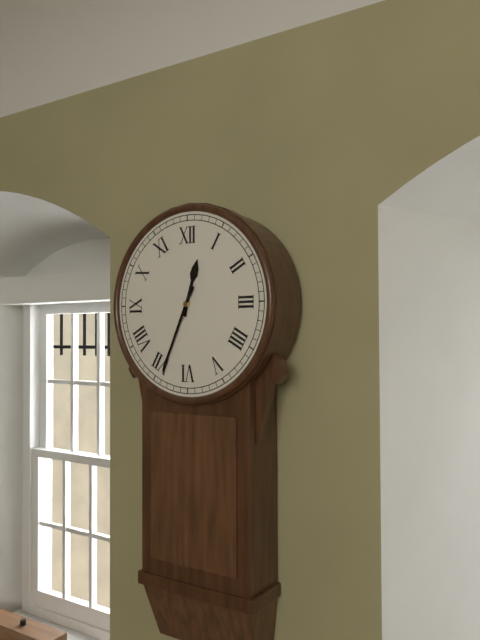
12,34
